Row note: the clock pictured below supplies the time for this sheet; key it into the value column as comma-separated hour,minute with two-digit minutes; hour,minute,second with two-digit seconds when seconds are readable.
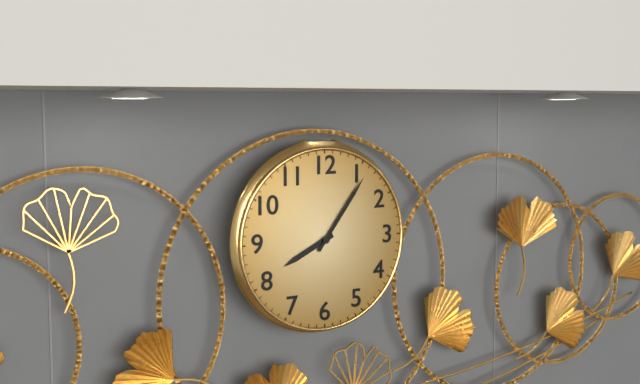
8,06
